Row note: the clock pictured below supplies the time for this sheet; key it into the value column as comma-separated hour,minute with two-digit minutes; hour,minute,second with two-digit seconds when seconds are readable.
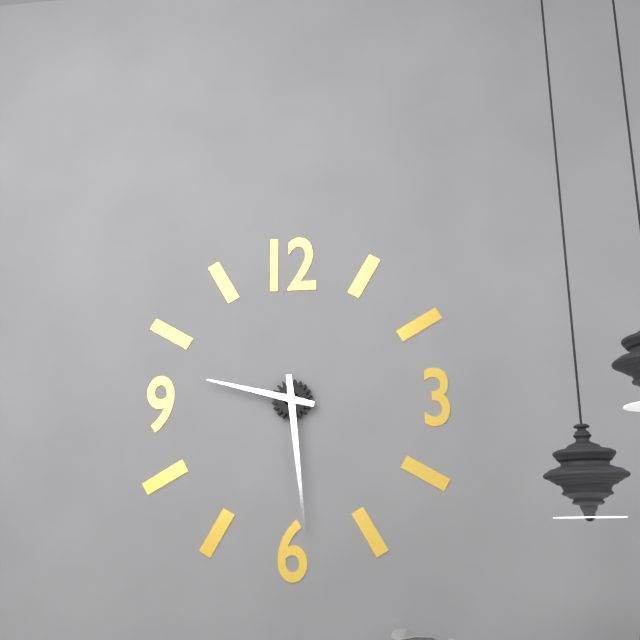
9,29
